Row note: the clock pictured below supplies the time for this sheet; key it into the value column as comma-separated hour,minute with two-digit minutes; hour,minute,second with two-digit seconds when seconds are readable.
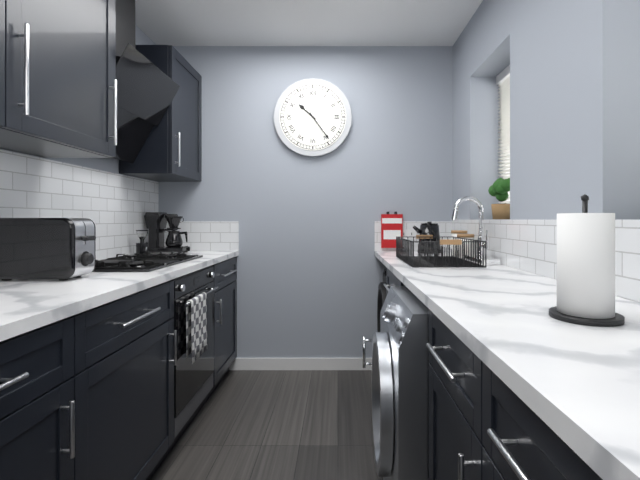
10,24
